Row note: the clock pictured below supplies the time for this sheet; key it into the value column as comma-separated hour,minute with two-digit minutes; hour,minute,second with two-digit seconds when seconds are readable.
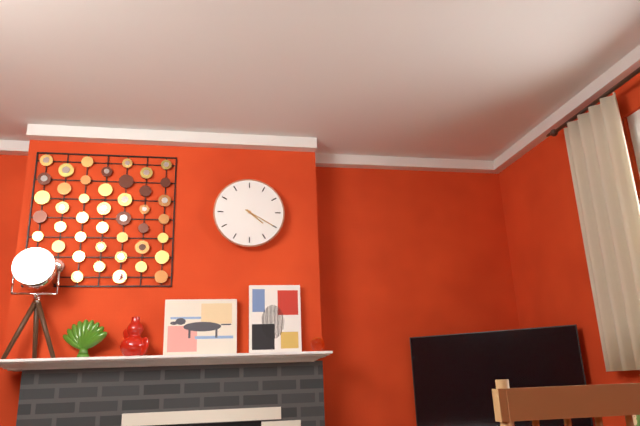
4,20
